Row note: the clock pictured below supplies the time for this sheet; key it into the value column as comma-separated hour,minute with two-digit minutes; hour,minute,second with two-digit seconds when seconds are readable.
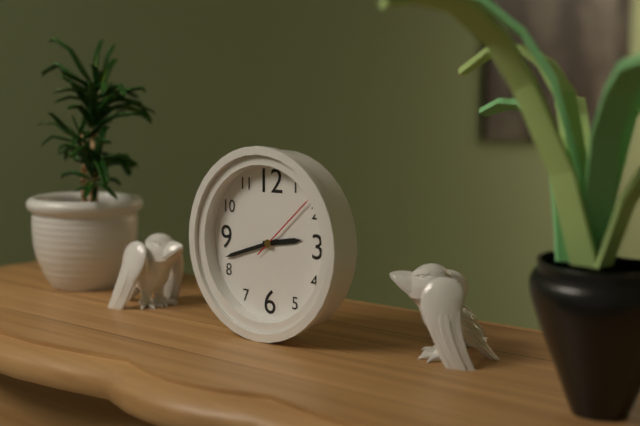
2,42,08
